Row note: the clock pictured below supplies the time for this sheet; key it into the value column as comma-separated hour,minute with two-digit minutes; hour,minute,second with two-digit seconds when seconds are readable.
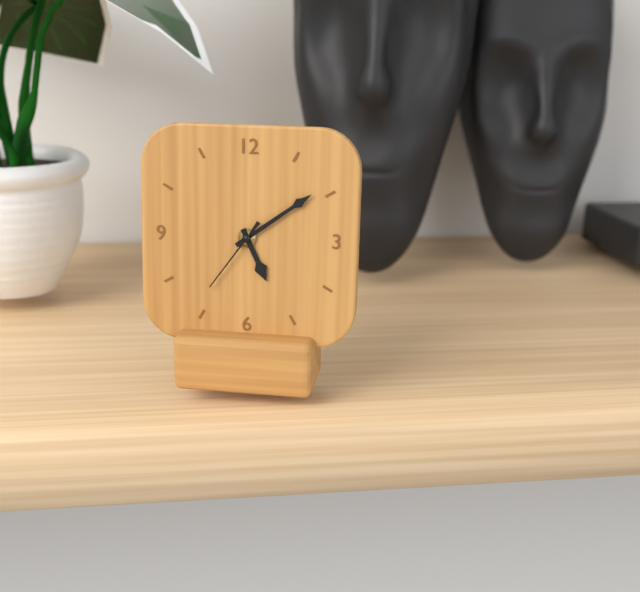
5,09,36
